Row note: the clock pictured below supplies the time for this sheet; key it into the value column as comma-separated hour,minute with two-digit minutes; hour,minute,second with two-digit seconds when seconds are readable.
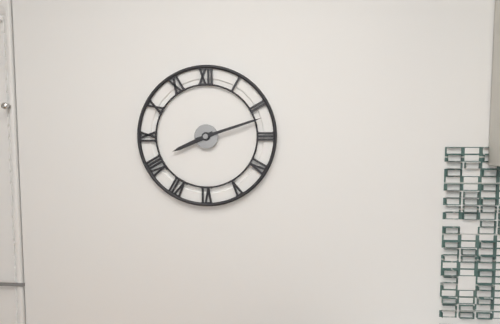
8,12
